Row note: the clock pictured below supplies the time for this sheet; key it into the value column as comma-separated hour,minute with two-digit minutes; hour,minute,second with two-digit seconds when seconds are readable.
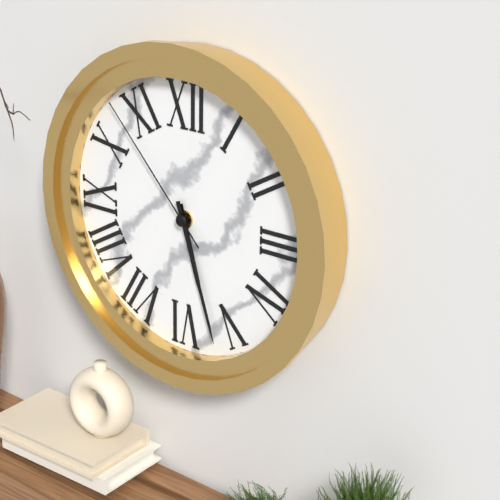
5,27,53
